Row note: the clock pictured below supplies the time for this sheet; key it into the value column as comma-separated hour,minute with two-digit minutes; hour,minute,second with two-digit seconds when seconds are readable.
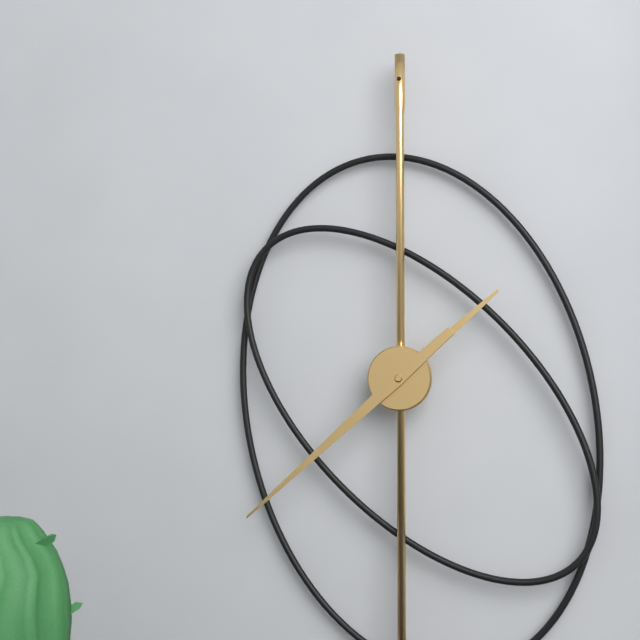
1,38
